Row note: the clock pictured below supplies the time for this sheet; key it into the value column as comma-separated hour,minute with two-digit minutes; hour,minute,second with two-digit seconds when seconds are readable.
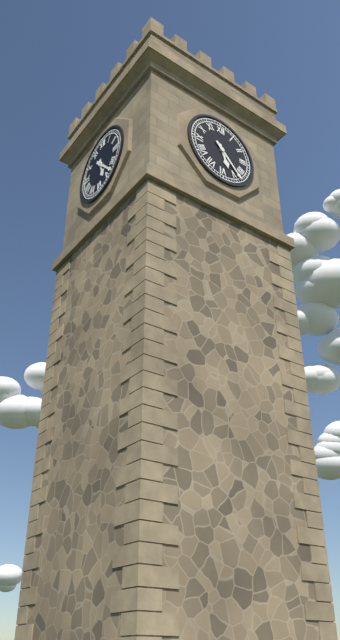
5,23
